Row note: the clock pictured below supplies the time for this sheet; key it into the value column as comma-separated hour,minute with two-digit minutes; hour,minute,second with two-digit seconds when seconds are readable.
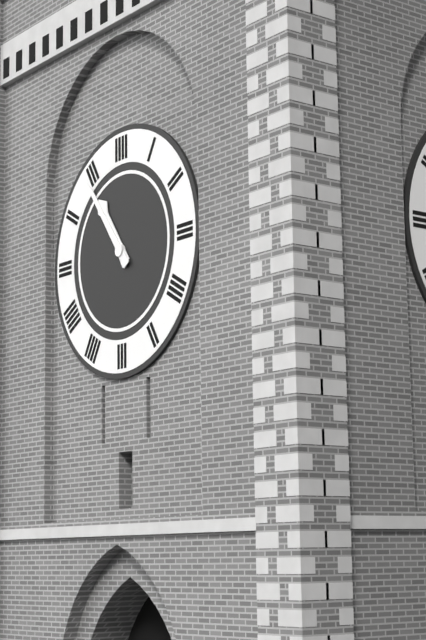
10,54
